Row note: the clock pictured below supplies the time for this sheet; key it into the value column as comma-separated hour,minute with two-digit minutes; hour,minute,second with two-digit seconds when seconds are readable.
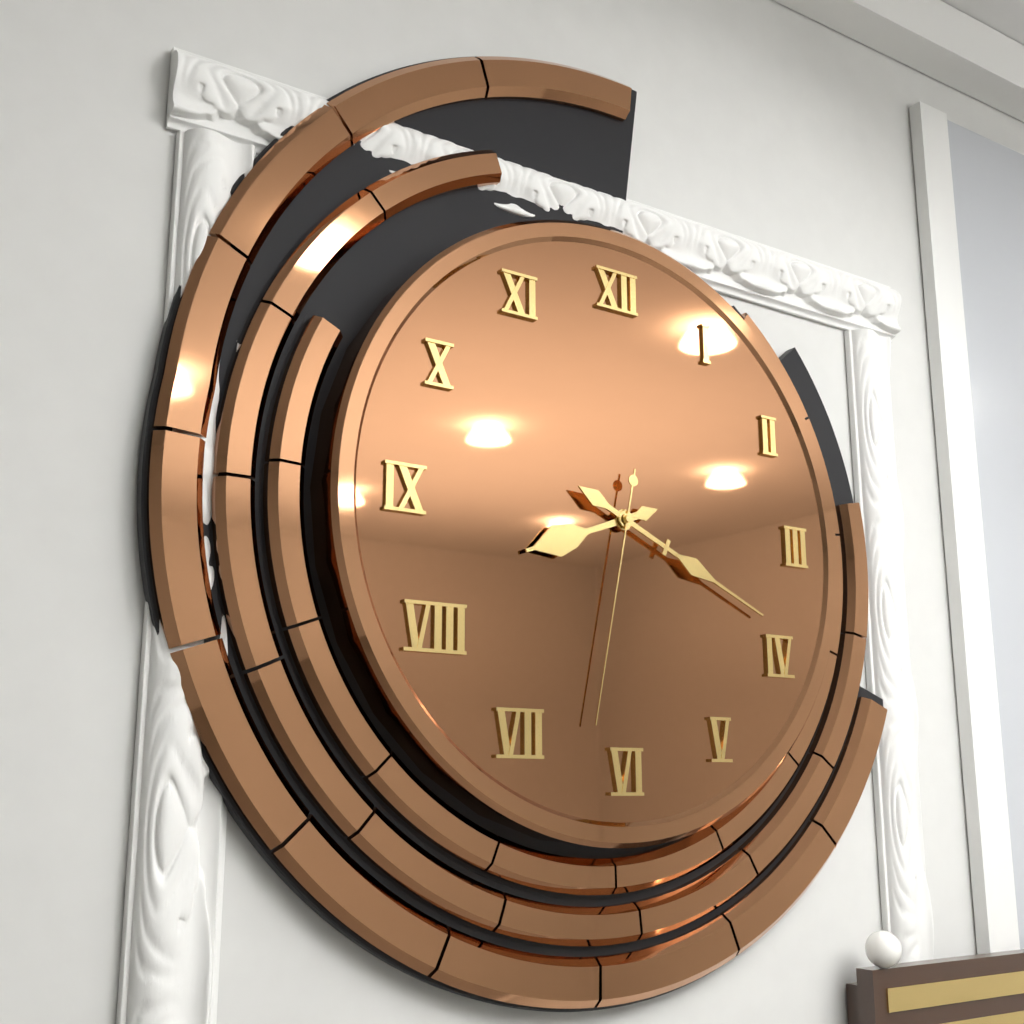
8,19,32
